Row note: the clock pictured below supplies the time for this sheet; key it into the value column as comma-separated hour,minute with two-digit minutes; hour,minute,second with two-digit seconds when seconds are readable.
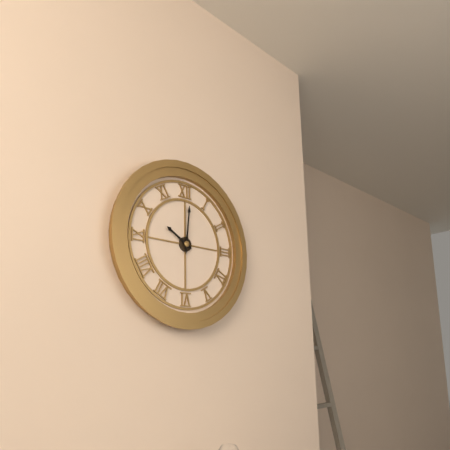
10,01
